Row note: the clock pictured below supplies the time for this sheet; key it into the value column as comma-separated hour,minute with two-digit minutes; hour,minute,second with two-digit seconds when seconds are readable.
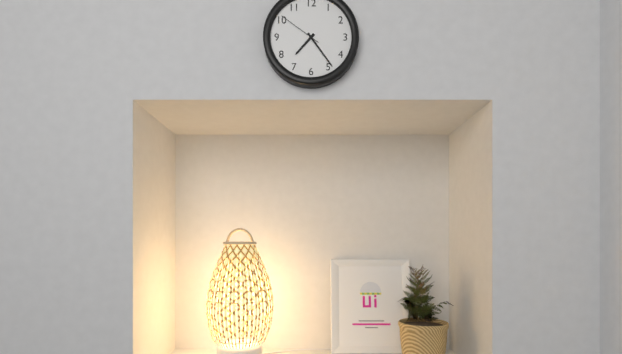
7,24
